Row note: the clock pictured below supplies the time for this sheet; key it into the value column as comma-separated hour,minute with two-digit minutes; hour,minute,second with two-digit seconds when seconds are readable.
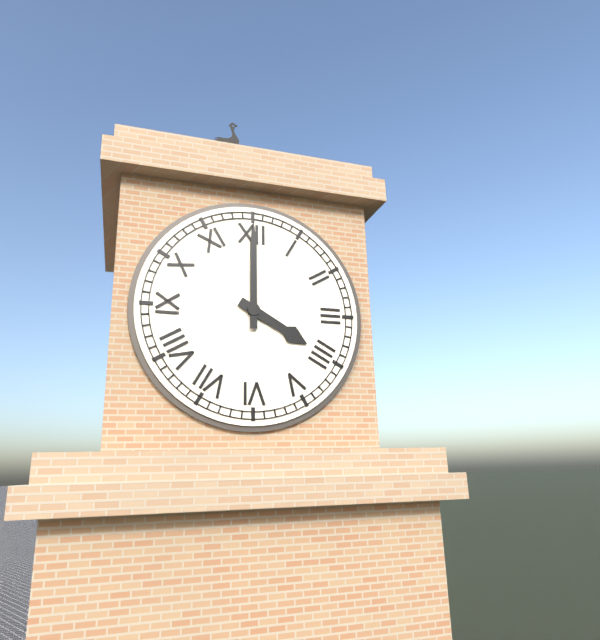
4,00
